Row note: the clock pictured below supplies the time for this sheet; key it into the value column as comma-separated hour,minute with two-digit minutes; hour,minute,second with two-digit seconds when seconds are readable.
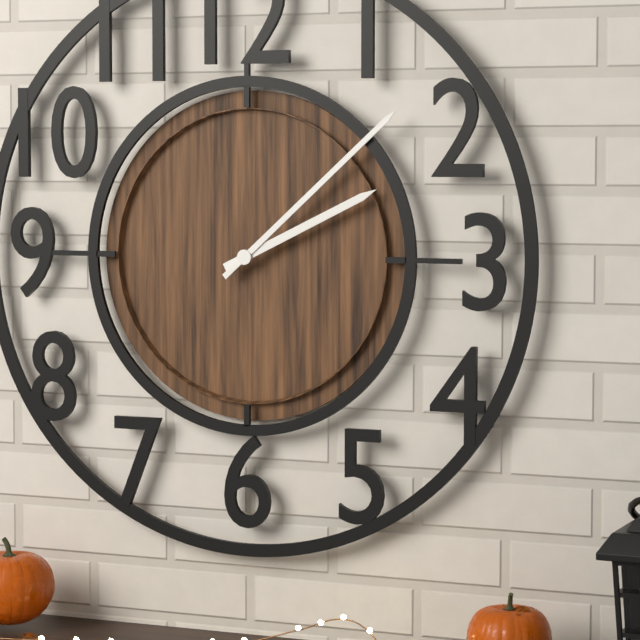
2,08
